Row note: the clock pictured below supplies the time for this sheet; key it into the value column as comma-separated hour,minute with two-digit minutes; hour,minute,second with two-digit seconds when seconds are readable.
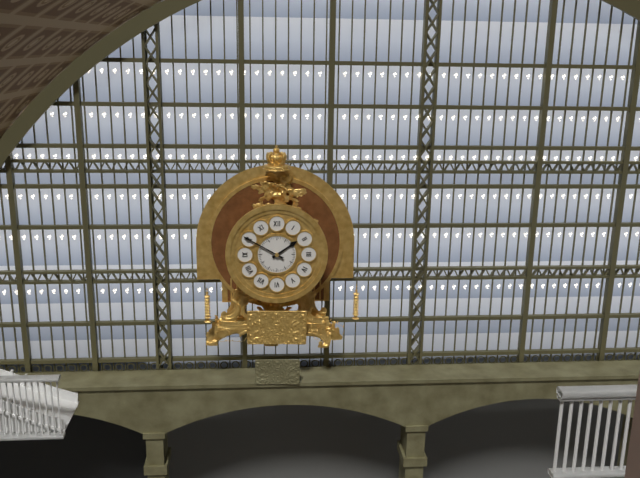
1,50
